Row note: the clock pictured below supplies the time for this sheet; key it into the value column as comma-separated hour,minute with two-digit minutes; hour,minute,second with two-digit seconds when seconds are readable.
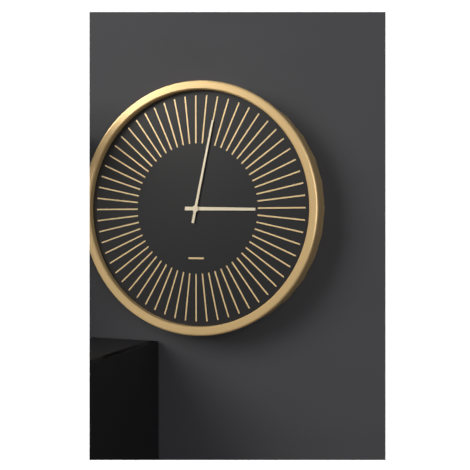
3,02
